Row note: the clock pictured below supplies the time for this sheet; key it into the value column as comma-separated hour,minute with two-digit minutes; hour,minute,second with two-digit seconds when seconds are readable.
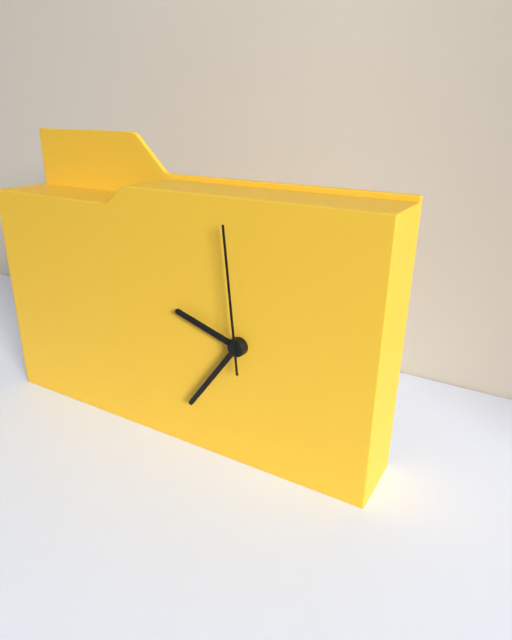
9,36,59
